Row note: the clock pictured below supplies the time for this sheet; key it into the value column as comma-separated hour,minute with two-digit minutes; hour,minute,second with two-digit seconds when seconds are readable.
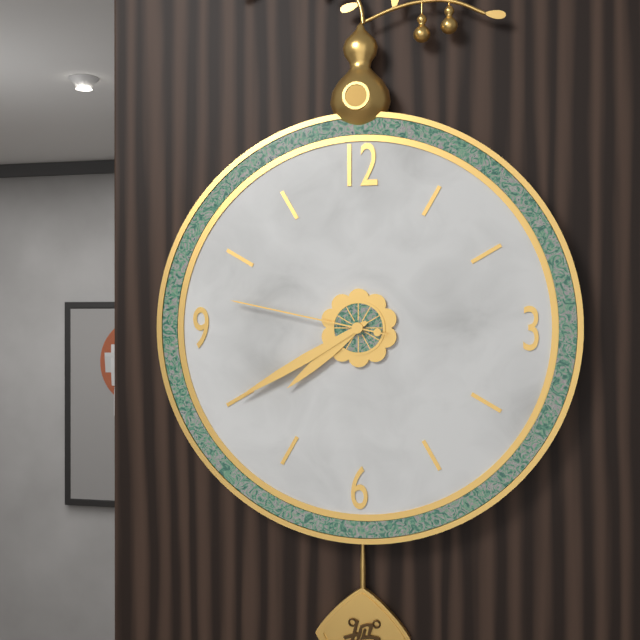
7,40,47
